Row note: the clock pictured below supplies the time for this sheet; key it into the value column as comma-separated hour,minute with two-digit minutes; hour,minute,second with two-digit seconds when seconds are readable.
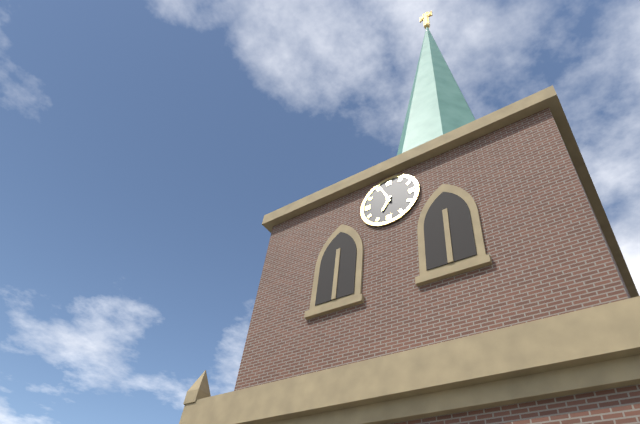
6,56
